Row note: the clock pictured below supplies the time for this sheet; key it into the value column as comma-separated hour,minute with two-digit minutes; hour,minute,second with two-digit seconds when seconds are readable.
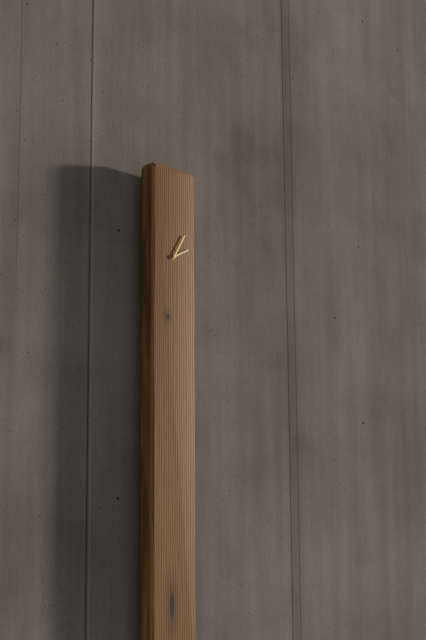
2,05
